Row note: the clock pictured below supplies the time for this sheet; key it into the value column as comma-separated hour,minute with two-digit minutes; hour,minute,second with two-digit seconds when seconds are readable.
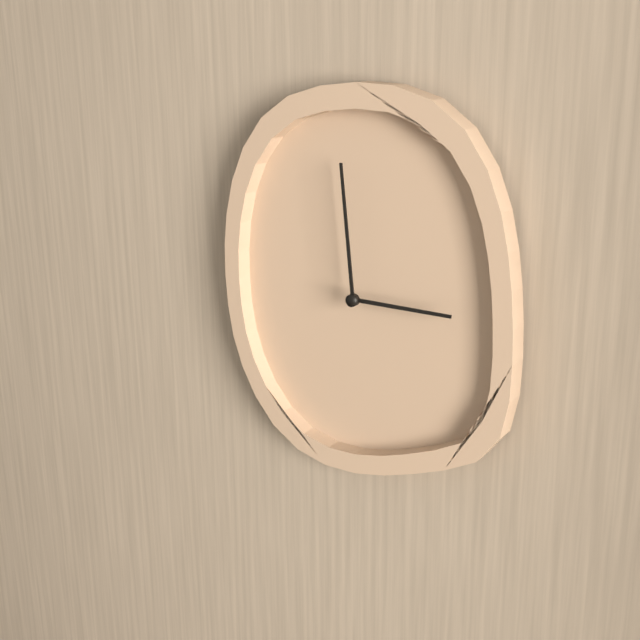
2,59
